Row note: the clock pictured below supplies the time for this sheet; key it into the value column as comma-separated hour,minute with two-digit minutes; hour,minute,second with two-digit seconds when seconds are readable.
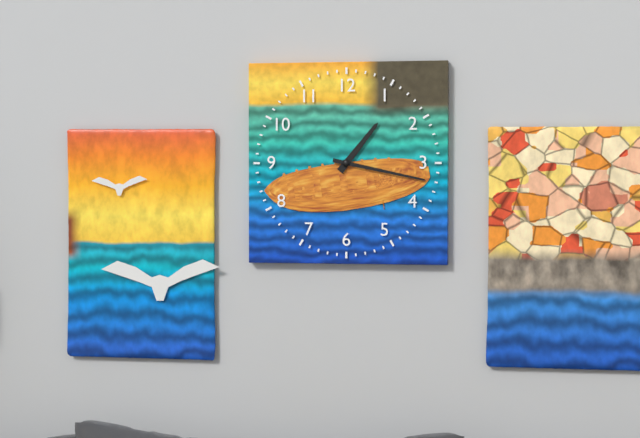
1,17
